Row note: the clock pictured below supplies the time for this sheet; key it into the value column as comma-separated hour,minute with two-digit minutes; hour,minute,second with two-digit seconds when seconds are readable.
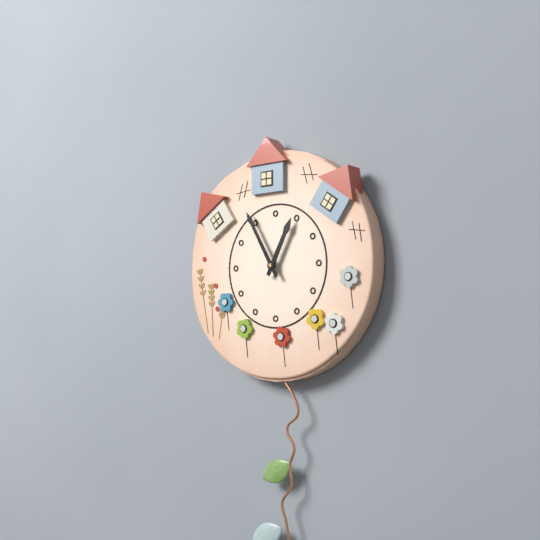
12,55
